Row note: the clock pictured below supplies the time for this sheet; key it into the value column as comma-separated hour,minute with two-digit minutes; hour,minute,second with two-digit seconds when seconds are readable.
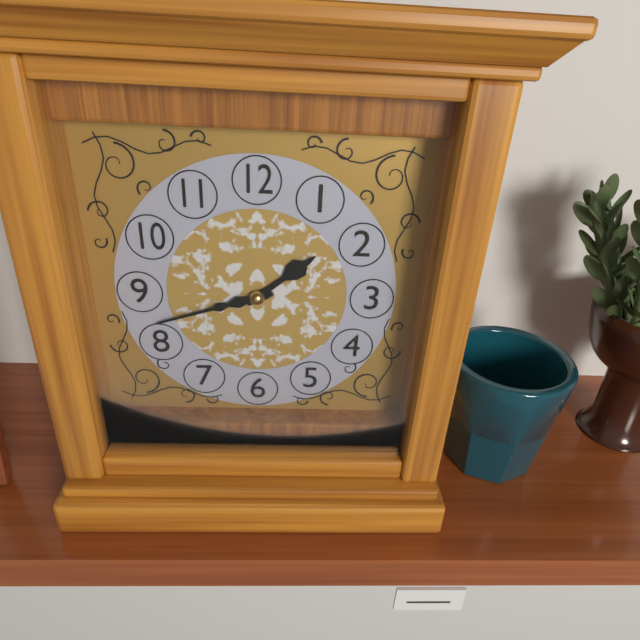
1,42
